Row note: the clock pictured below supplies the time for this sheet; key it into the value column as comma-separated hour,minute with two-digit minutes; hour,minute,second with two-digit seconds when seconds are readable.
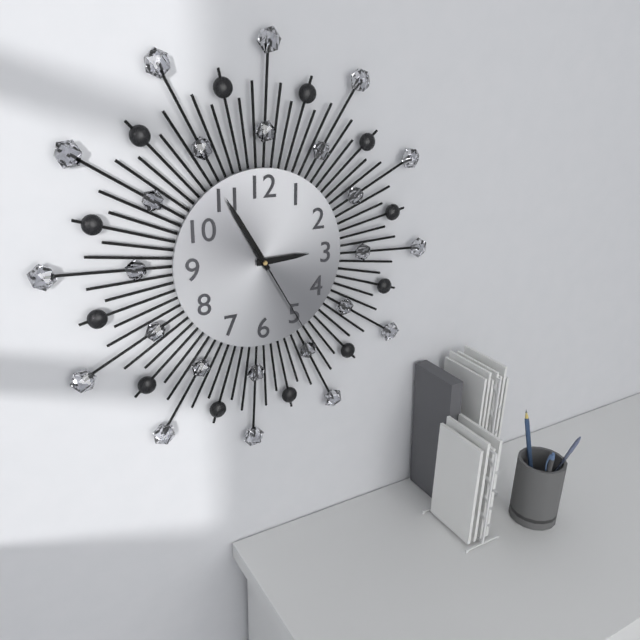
2,55,25
